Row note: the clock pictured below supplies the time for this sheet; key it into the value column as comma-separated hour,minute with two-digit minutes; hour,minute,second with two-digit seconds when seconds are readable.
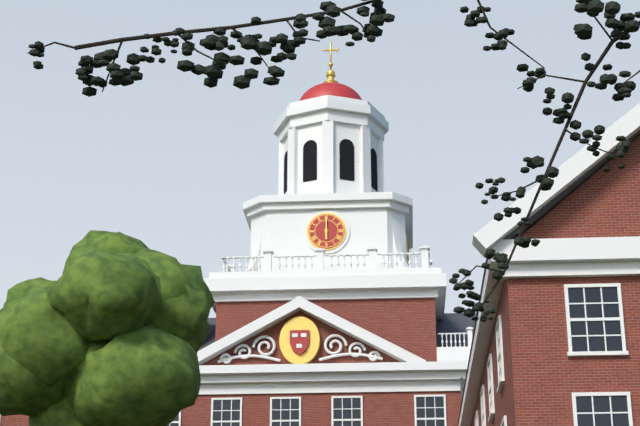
6,00
